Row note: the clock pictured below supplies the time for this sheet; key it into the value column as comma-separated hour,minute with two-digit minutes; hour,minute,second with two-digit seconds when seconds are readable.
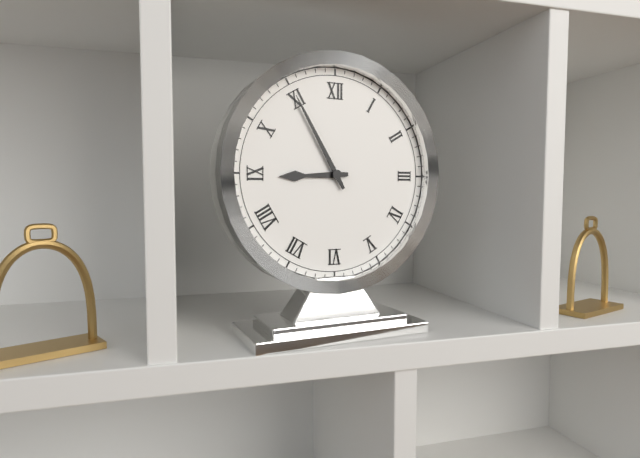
8,55
